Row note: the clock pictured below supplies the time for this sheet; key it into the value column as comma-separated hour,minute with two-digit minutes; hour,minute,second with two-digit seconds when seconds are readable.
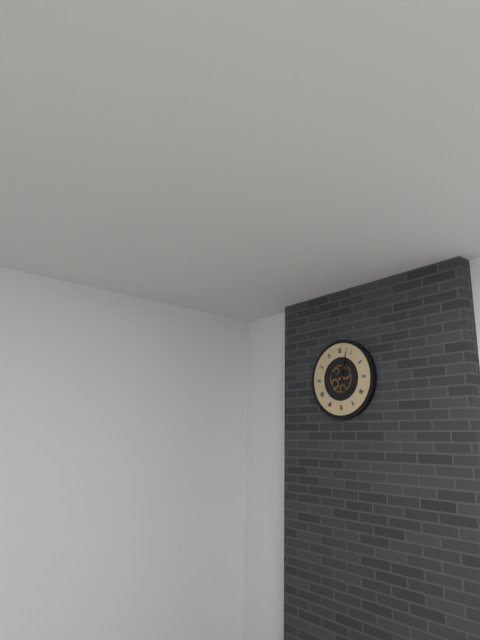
10,03
